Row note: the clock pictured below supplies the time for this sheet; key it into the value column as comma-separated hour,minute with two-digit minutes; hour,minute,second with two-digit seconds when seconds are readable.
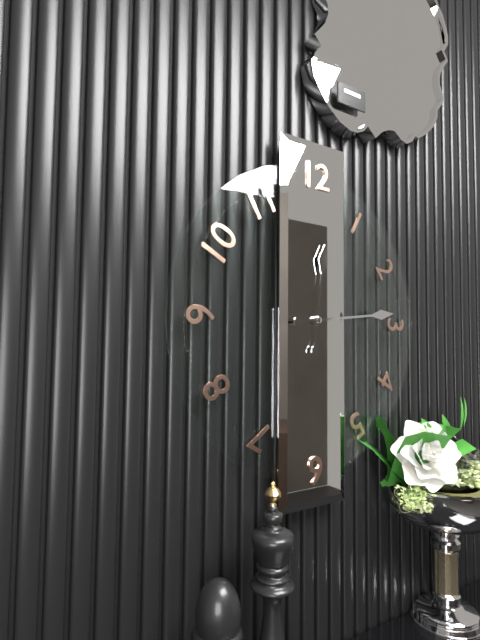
12,14
